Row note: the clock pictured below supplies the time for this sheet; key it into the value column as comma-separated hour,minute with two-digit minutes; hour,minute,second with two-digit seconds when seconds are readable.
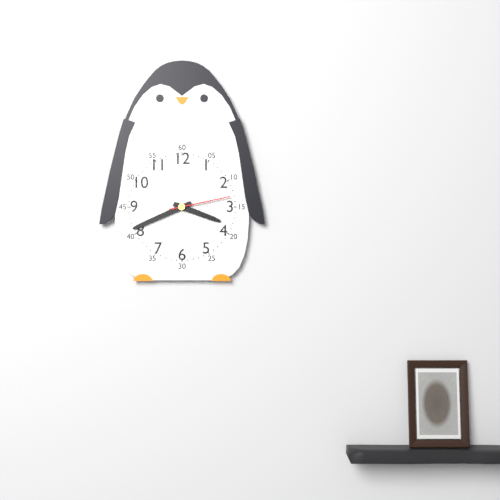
3,41,13
